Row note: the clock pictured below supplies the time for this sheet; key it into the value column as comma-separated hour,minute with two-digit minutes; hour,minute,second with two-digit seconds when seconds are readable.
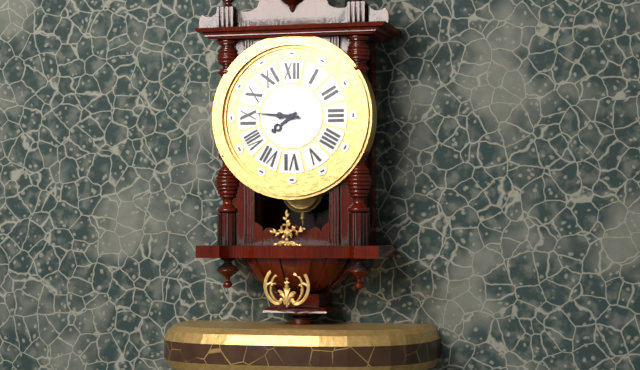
7,46
